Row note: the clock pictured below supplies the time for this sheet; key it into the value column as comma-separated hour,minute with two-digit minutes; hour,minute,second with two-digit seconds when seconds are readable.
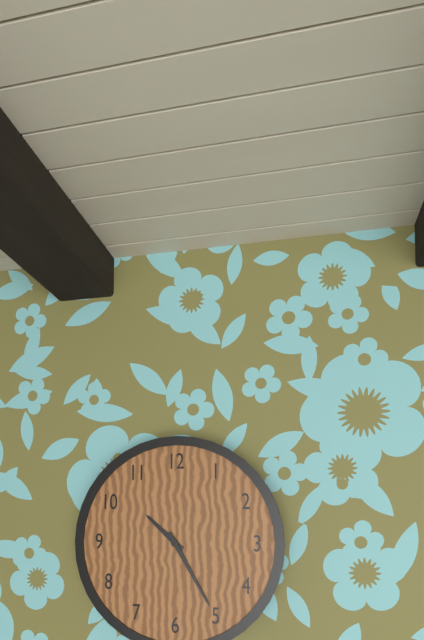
10,25
